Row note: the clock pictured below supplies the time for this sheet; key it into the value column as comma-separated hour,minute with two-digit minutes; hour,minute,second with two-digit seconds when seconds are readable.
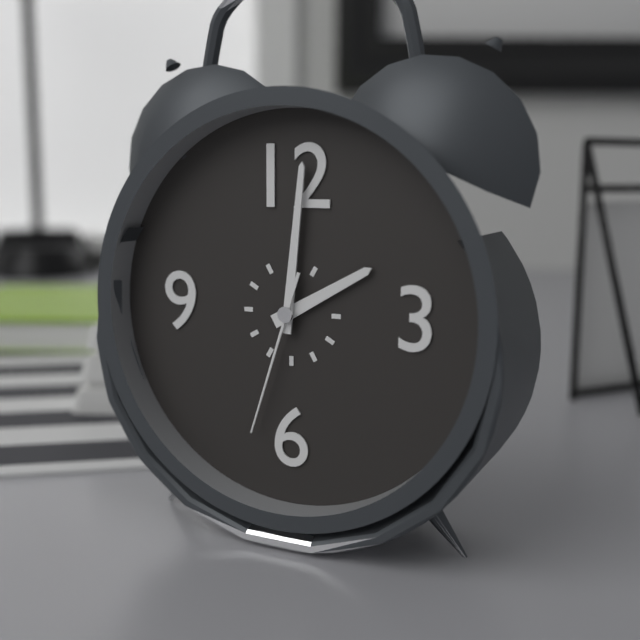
2,01,33
